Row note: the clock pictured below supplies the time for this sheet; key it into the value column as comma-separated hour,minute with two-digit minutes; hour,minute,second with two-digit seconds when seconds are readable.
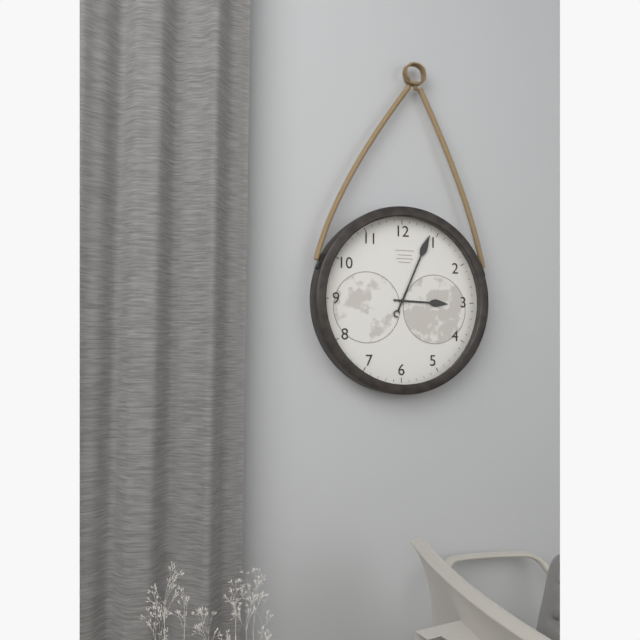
3,04
